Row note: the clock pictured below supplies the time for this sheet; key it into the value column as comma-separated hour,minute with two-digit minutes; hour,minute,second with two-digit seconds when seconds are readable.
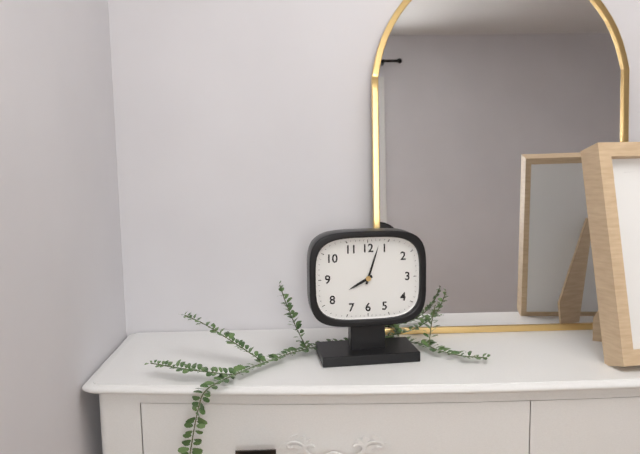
8,03
